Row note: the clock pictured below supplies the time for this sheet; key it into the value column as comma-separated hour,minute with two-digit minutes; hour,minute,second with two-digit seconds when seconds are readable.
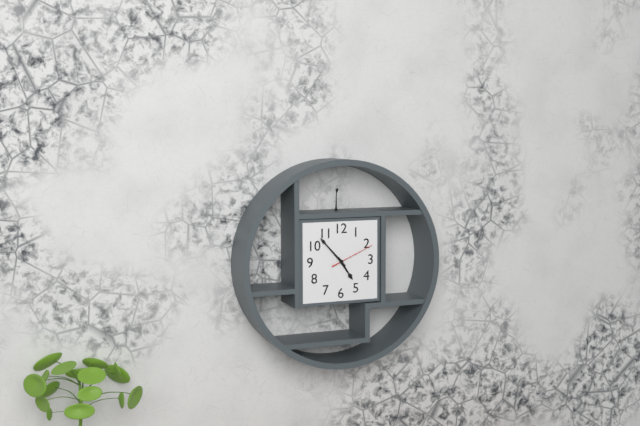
4,53
